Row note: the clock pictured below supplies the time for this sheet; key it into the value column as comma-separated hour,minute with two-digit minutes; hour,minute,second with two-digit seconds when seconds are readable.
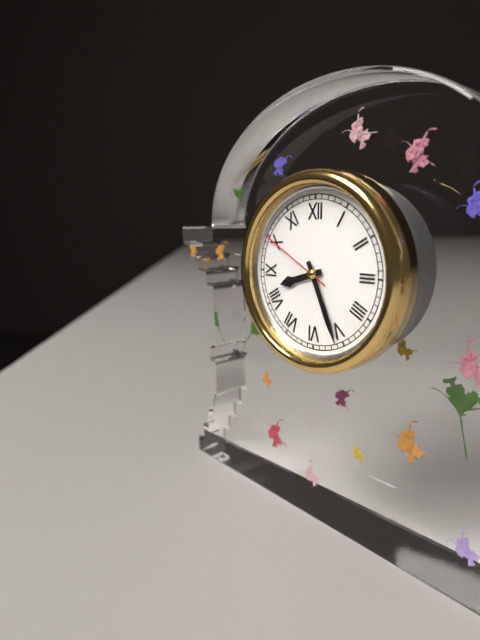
8,26,50
